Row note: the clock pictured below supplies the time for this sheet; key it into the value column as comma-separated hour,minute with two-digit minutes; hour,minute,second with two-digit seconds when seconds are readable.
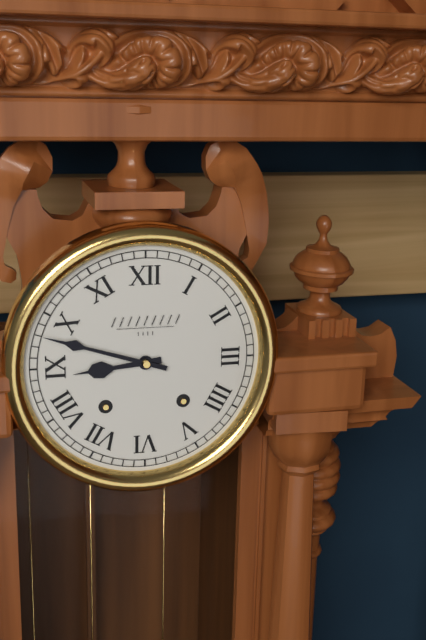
8,48
